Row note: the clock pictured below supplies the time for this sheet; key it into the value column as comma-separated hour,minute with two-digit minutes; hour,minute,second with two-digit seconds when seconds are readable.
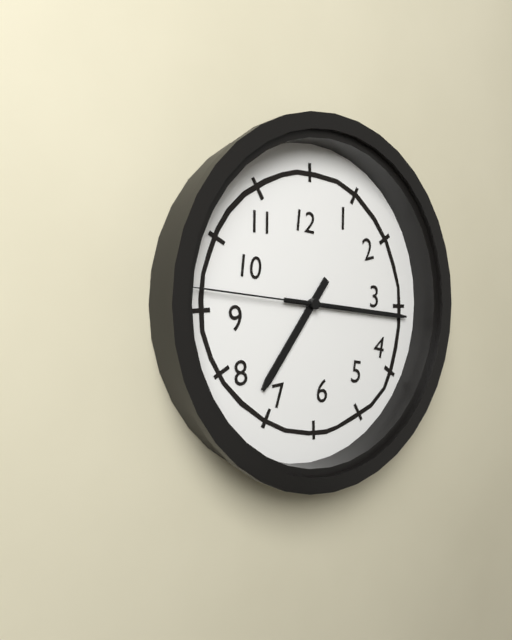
7,16,46
